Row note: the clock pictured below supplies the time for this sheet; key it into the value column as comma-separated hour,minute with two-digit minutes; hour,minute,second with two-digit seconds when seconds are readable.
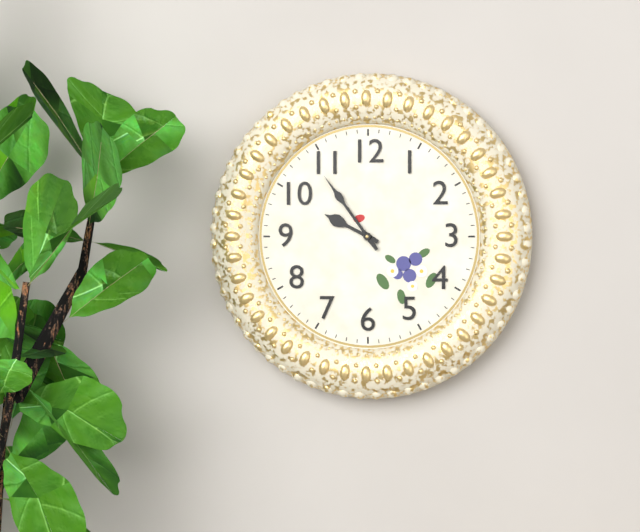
9,54
